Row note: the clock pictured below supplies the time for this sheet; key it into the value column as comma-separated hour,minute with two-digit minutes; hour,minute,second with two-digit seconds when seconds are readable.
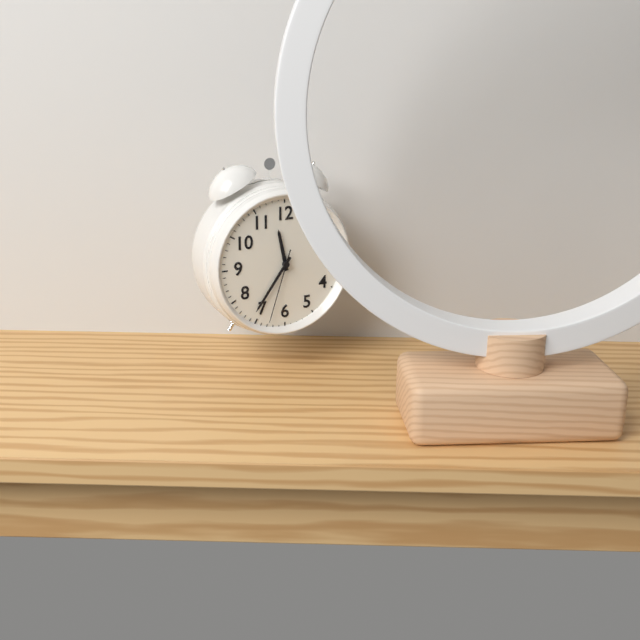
11,36,33
